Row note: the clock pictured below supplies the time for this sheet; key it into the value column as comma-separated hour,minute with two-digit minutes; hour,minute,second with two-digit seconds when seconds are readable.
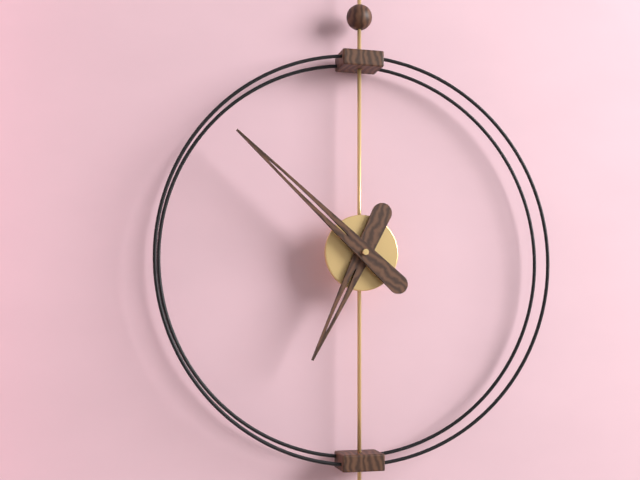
6,52
